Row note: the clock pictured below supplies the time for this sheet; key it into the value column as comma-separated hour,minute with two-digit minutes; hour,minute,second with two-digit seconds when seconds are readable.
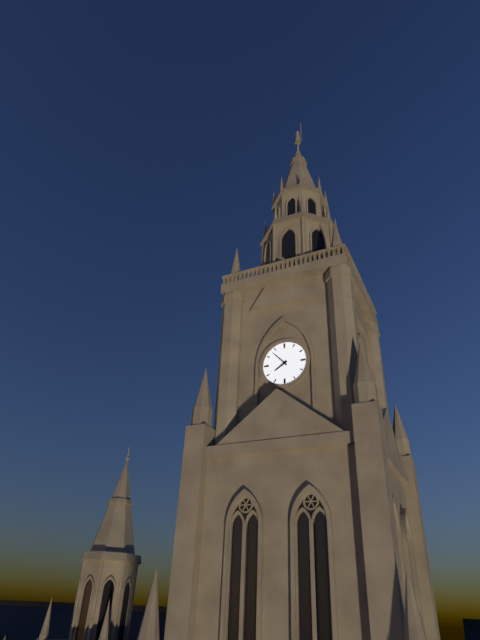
7,53
